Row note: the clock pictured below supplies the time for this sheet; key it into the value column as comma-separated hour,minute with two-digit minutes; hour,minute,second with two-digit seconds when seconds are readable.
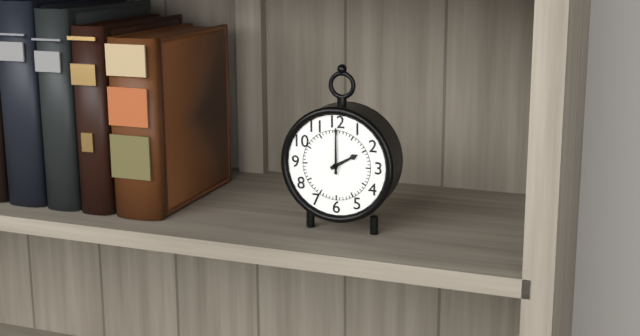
2,00
